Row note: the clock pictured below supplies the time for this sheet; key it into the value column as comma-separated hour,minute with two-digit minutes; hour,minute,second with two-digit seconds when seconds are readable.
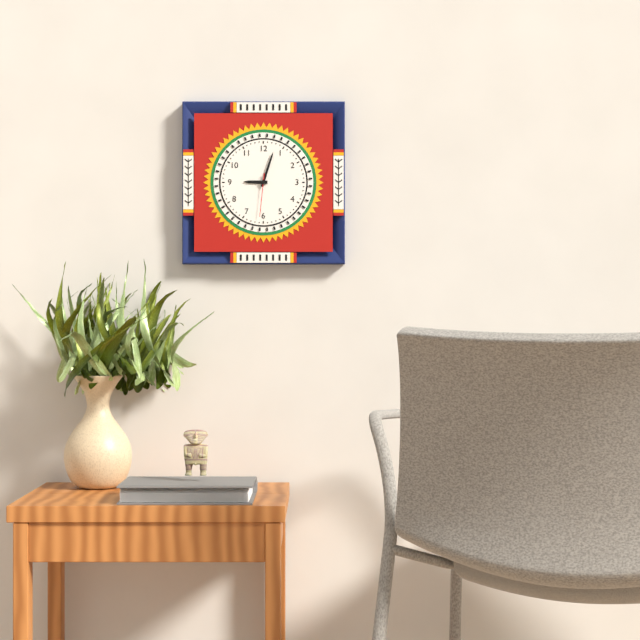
9,03
